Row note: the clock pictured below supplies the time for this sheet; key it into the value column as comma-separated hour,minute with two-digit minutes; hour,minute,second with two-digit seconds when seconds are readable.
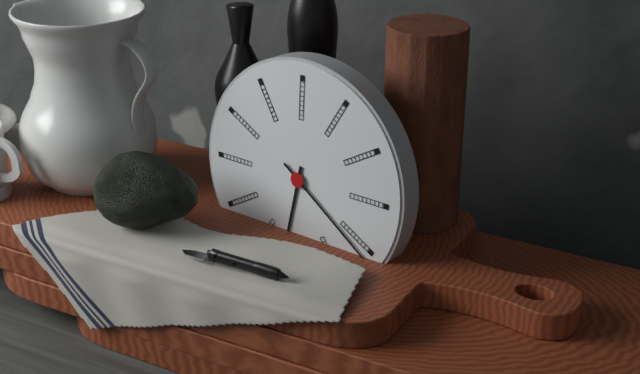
6,21
